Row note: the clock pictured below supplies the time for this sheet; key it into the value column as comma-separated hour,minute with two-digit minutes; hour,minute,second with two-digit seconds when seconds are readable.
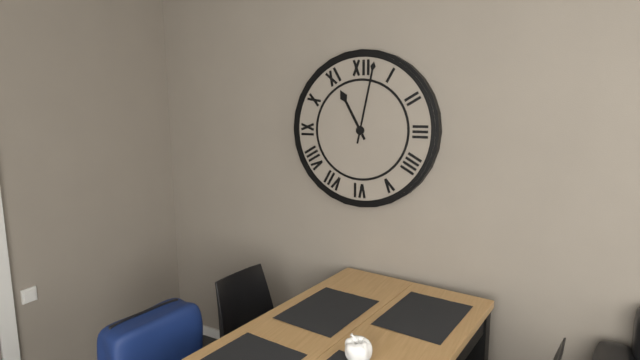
11,02
